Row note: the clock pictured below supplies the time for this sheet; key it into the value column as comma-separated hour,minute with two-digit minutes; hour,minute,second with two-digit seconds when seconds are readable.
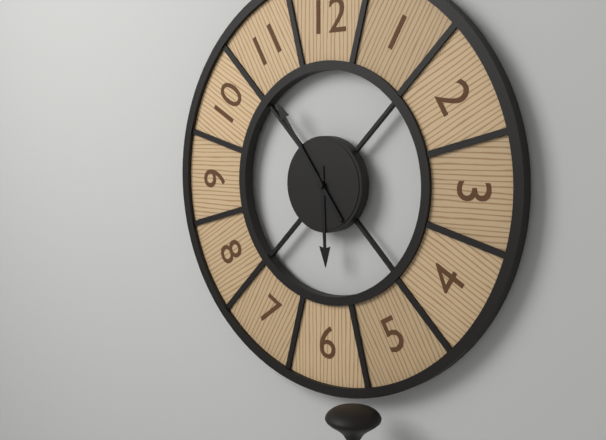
5,54
